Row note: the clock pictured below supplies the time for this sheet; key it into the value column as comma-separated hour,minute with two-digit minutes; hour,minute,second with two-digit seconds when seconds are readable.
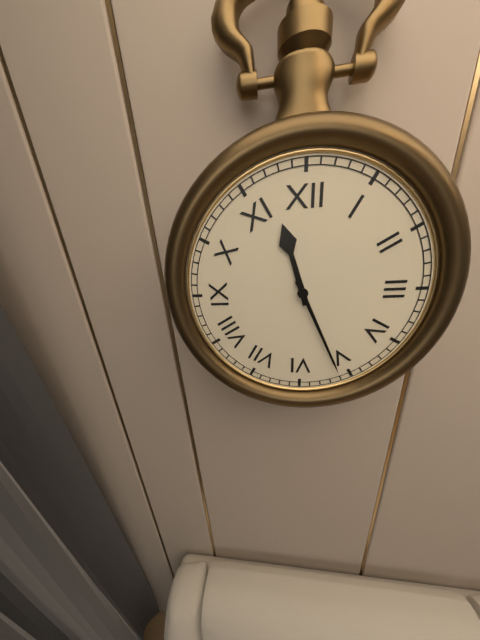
11,26
